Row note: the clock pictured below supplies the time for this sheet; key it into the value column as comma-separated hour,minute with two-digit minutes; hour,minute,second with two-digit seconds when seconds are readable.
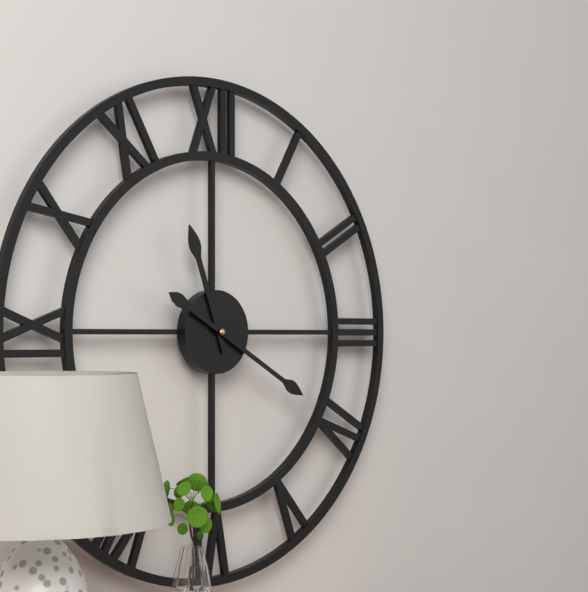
11,20
